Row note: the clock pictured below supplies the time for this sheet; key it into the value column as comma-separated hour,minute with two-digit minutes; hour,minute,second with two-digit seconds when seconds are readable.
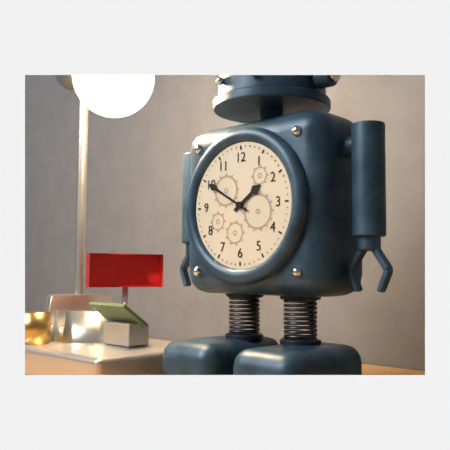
1,50
